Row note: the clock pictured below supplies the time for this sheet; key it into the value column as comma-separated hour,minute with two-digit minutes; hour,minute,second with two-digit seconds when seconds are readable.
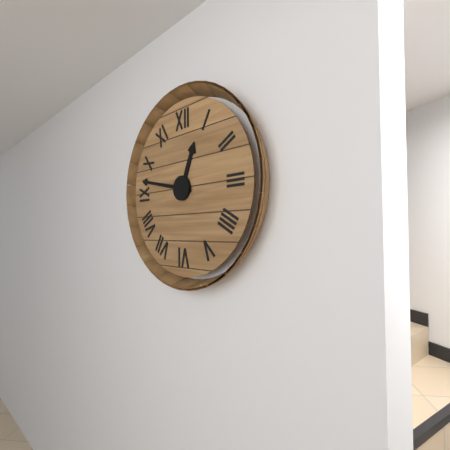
12,47
